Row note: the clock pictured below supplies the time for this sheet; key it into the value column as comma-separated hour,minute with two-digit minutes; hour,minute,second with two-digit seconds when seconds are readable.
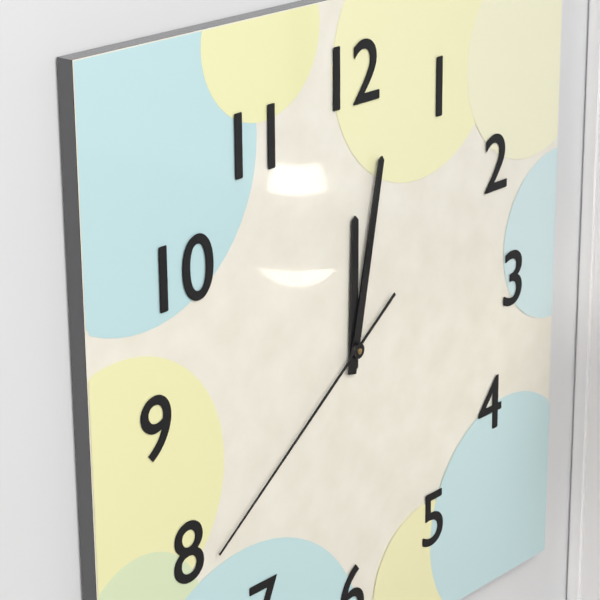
12,02,39
